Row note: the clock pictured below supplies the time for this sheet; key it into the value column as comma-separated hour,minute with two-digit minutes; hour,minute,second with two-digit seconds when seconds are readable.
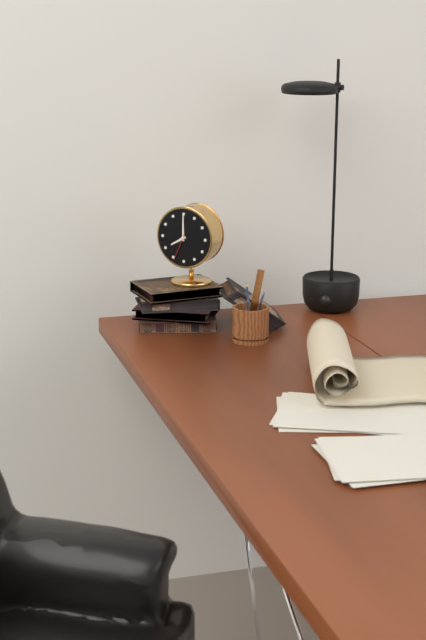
8,00
